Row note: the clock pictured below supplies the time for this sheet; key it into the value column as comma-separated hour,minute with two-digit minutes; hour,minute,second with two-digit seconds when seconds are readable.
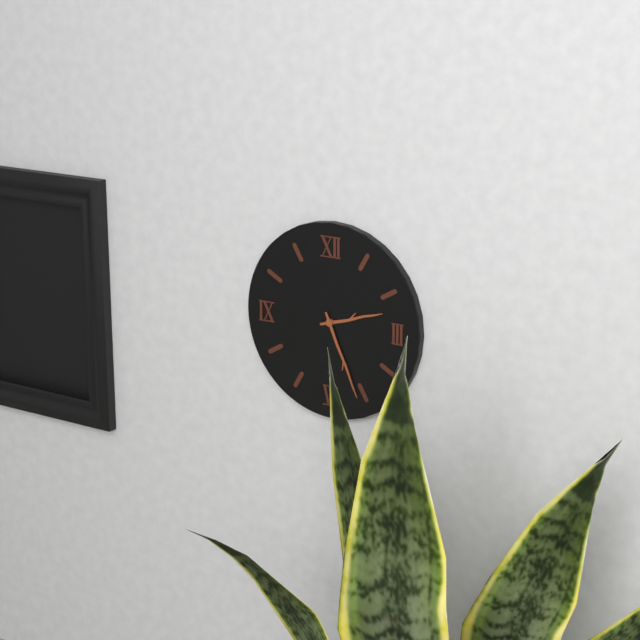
2,26
